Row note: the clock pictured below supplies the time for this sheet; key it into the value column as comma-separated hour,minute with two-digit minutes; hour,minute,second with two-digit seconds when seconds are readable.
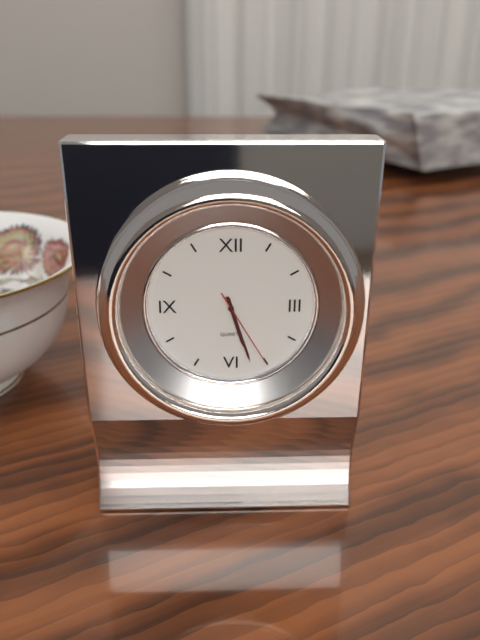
5,27,25
